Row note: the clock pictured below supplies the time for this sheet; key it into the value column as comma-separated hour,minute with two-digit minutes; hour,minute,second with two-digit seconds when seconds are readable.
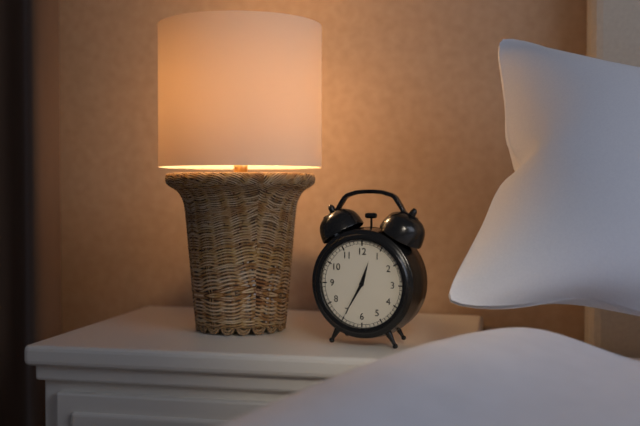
12,35
